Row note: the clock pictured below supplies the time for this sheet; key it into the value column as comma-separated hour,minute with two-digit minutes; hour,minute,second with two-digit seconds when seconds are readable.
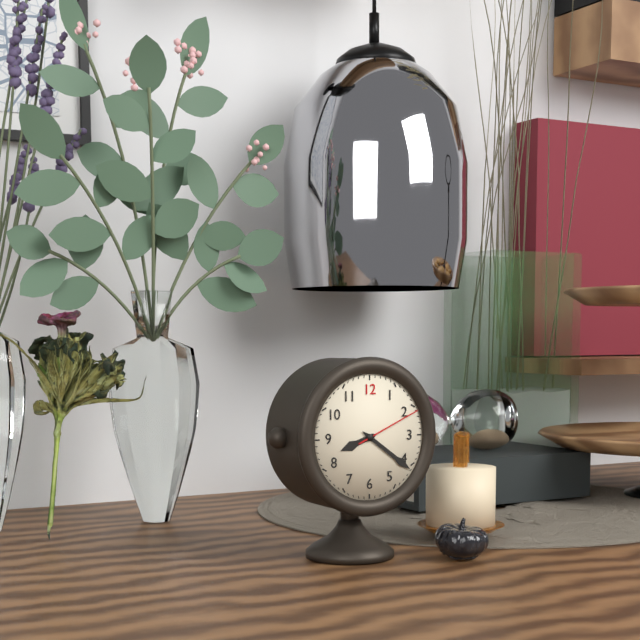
8,21,11
